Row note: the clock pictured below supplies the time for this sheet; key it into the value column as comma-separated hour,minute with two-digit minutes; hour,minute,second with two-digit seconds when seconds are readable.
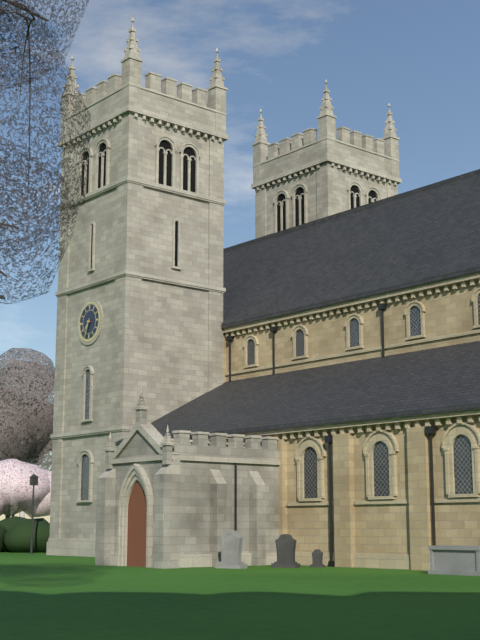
7,34
